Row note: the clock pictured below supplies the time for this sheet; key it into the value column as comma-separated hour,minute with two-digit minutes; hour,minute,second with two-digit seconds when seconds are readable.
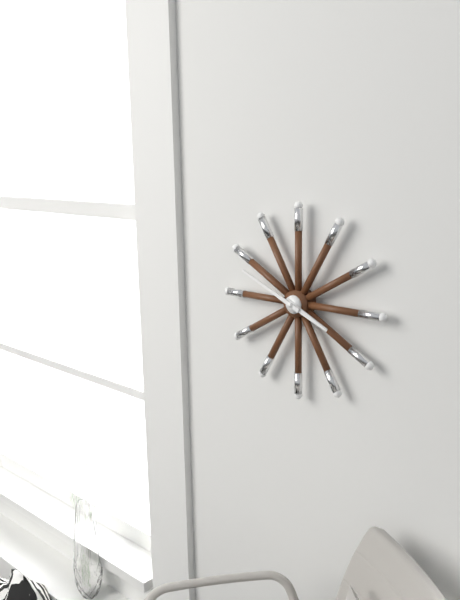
3,49
